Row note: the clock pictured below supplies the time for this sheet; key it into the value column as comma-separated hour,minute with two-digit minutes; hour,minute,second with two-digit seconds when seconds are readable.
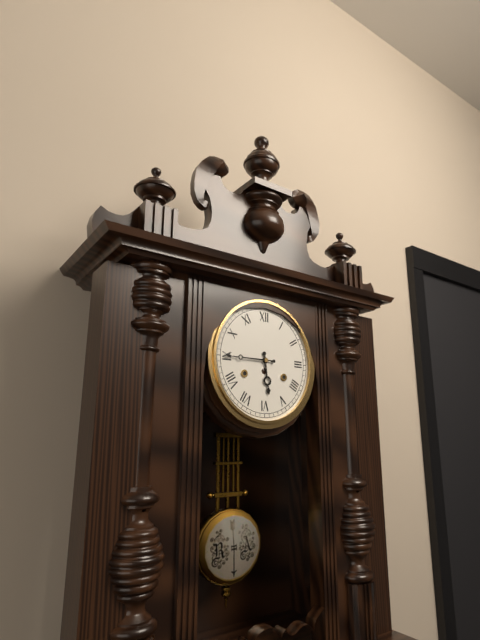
5,45
